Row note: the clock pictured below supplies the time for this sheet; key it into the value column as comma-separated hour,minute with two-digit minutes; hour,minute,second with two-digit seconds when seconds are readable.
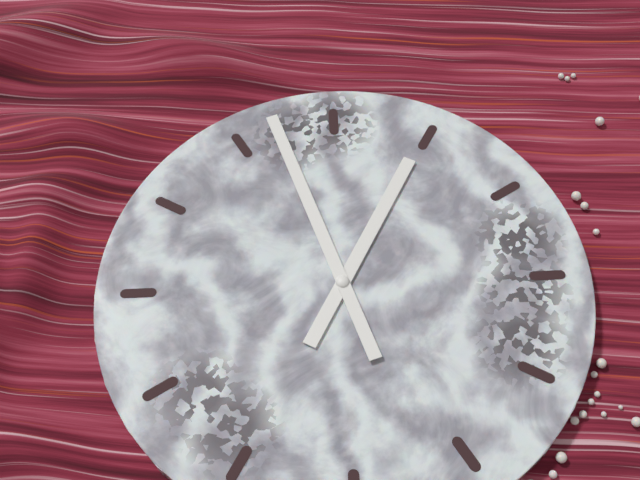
12,57
